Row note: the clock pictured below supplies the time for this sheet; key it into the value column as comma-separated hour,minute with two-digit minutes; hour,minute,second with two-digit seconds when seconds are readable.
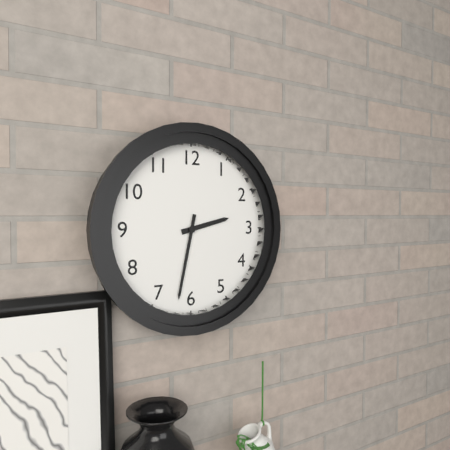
2,32
